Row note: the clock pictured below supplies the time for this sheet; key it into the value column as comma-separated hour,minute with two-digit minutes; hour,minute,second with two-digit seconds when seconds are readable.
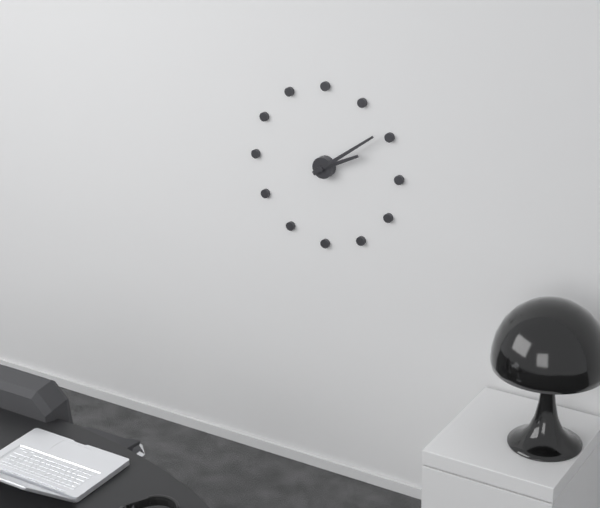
2,09
